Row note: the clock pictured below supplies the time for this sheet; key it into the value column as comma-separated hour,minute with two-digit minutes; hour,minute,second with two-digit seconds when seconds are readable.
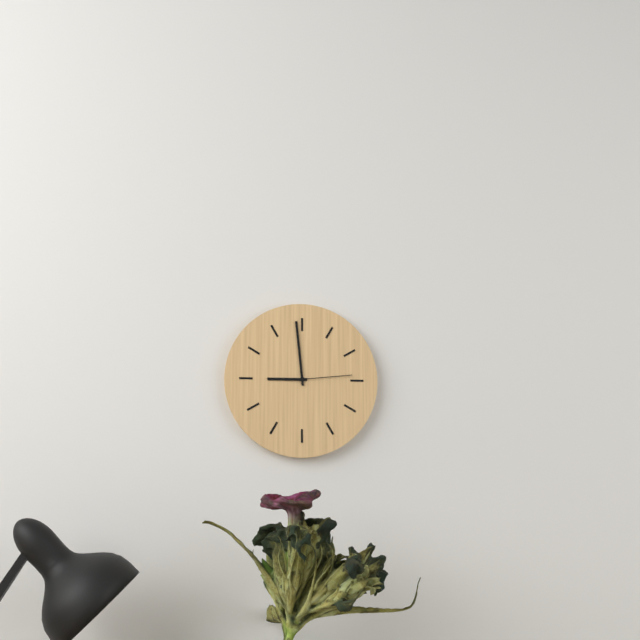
8,59,14
